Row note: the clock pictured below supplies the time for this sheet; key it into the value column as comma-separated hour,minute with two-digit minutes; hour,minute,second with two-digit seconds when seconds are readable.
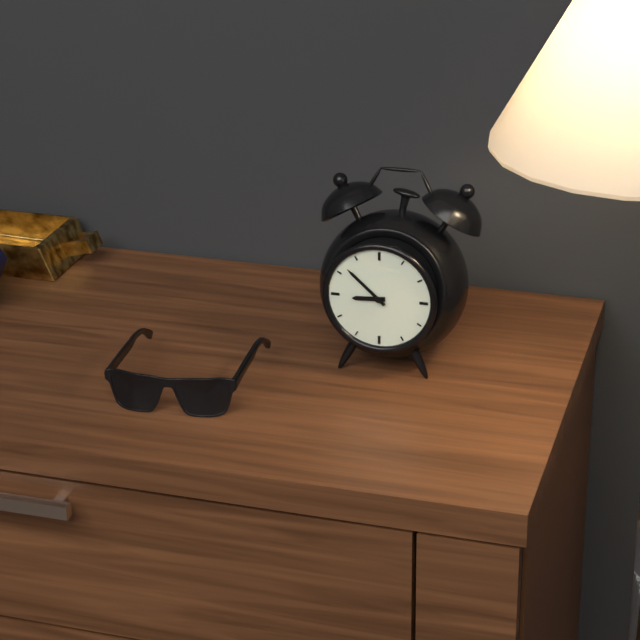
8,52
